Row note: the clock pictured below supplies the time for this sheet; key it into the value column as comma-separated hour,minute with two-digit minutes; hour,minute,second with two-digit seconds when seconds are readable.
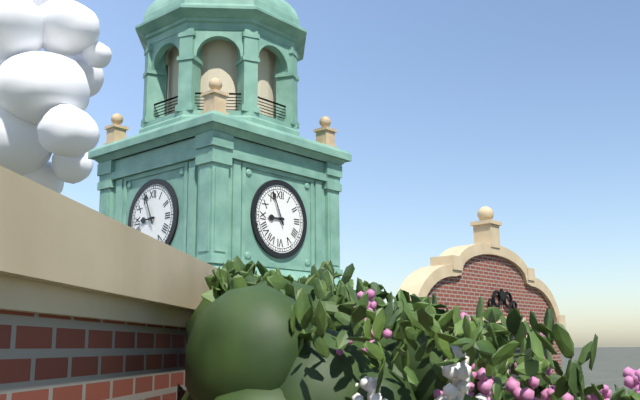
8,56
